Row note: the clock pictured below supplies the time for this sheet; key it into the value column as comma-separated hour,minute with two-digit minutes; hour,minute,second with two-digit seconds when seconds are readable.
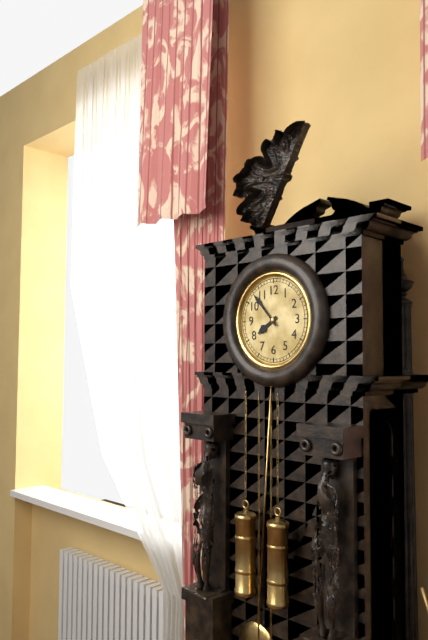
7,53
